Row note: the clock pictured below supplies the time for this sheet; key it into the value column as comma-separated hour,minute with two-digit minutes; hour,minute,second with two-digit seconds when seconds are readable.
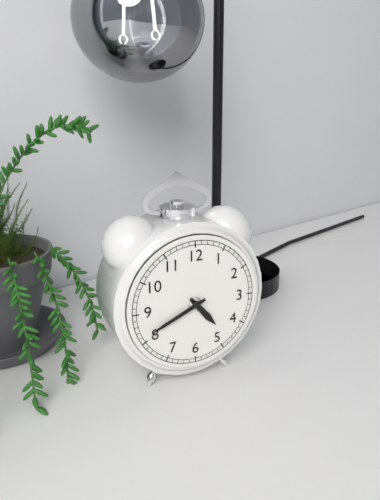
4,41
